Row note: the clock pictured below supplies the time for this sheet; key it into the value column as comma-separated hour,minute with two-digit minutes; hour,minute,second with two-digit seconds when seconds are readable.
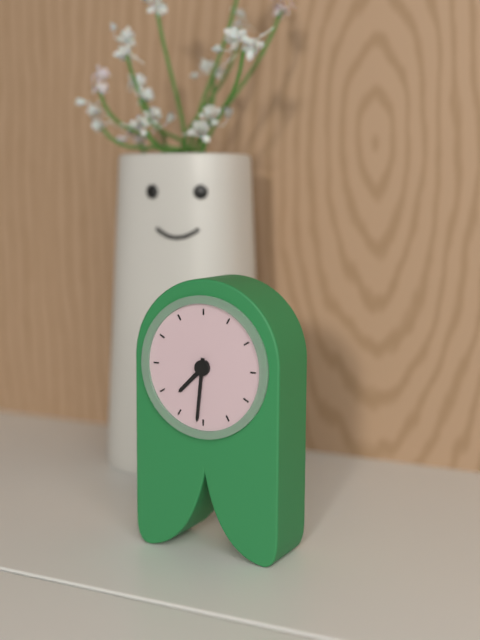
7,31
